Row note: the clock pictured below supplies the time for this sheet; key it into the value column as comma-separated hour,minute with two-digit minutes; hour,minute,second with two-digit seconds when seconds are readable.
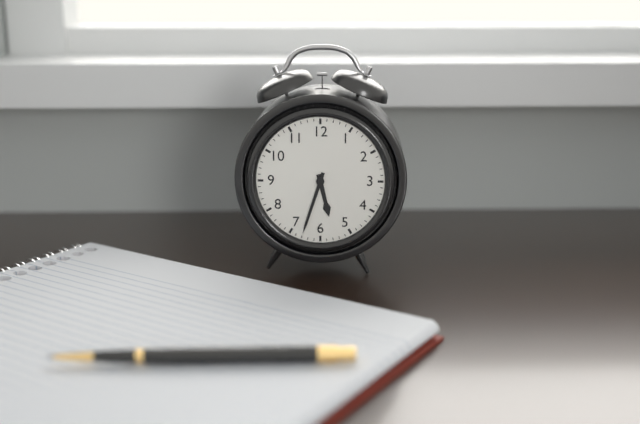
5,33
